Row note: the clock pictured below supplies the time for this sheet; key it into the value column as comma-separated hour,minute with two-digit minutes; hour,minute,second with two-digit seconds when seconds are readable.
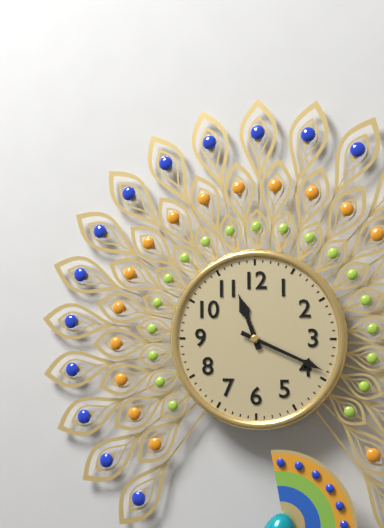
11,19
